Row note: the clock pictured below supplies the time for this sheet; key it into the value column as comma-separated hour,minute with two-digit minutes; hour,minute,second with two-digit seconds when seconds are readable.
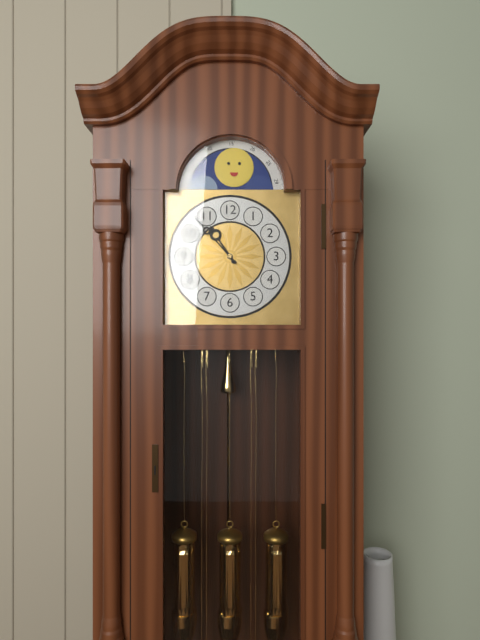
10,53
